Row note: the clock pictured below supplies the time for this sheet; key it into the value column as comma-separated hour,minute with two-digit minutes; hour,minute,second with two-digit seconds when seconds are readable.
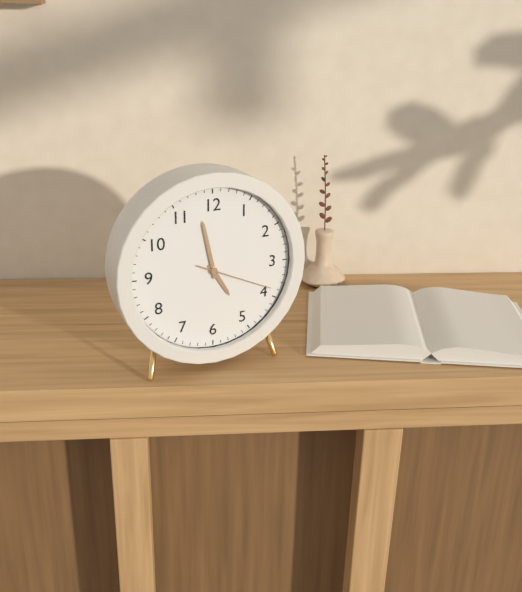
4,58,19
